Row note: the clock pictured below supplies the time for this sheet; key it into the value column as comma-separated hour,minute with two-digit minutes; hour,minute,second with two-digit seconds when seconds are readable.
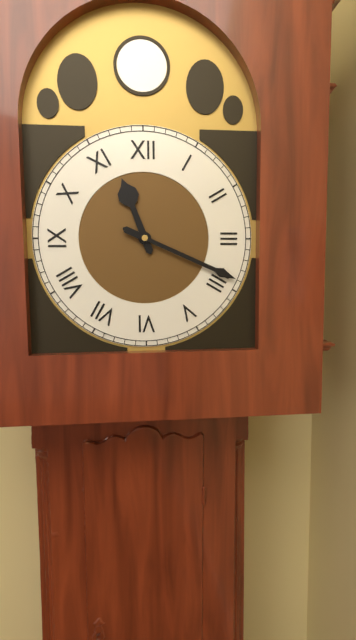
11,19
